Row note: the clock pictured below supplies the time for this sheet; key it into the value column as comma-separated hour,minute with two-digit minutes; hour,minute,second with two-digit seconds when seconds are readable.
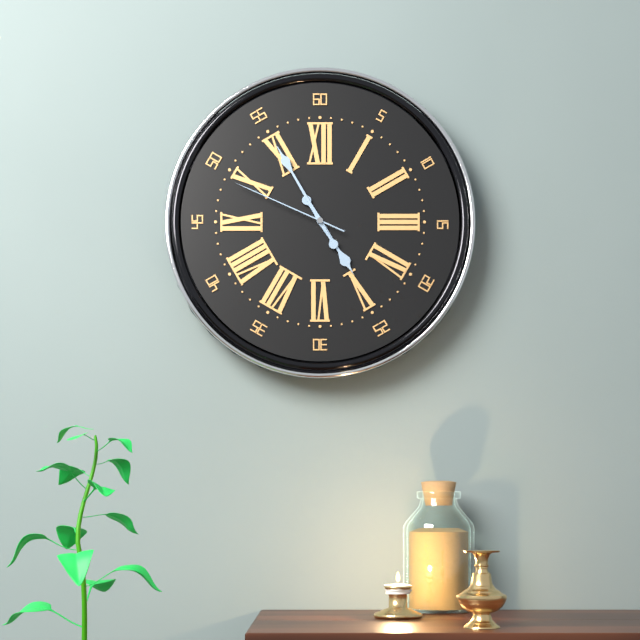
4,55,49
